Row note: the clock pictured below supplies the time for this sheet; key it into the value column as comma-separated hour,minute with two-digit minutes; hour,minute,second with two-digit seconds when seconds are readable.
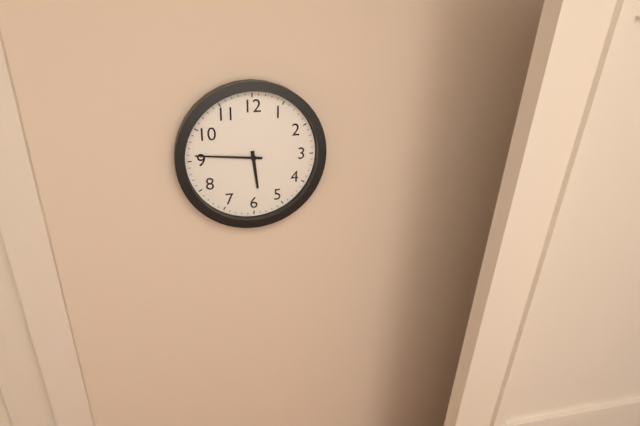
5,46
